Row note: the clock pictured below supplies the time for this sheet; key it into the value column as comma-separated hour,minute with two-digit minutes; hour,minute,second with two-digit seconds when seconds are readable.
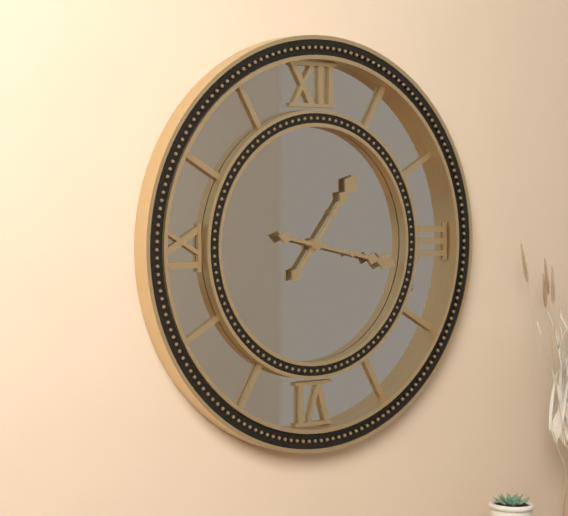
1,17
